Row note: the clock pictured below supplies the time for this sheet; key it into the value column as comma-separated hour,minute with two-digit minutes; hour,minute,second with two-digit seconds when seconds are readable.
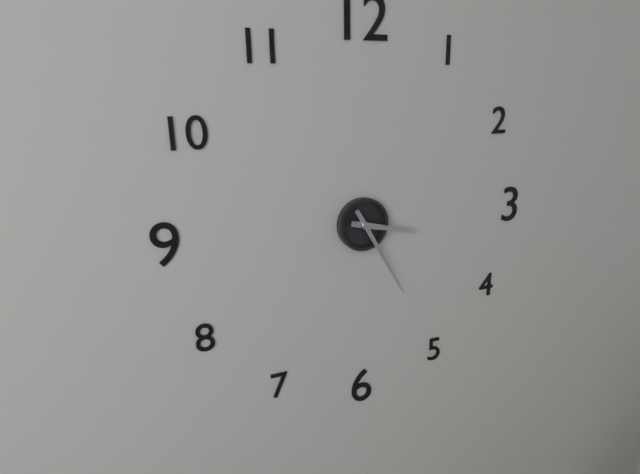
3,25
